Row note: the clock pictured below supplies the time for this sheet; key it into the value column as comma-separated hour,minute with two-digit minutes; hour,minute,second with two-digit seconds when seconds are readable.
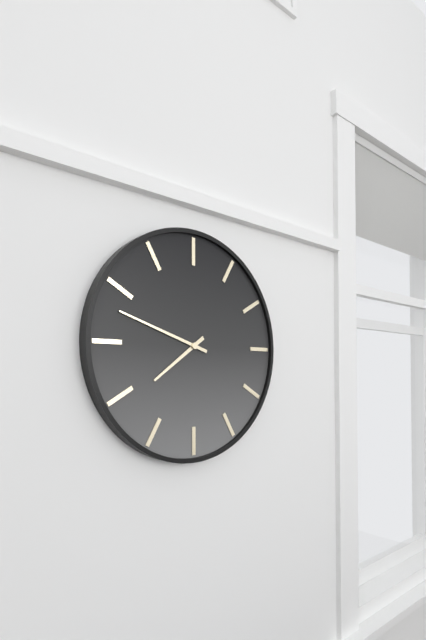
7,48
